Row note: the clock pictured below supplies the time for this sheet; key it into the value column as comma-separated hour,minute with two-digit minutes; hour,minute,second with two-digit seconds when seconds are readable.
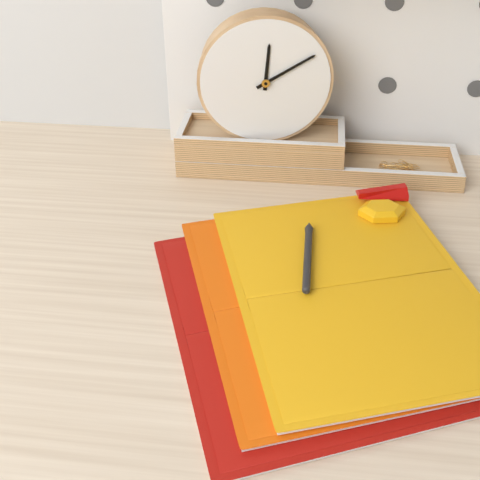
12,10
